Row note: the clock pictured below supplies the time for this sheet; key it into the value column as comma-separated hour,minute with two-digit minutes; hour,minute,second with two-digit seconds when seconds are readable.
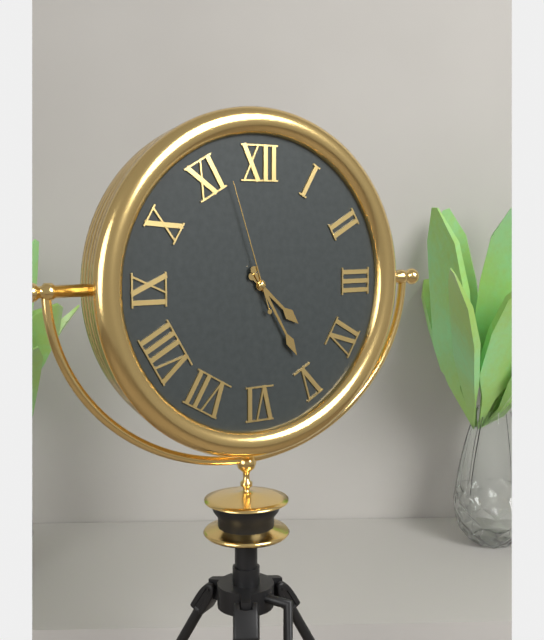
4,25,57
